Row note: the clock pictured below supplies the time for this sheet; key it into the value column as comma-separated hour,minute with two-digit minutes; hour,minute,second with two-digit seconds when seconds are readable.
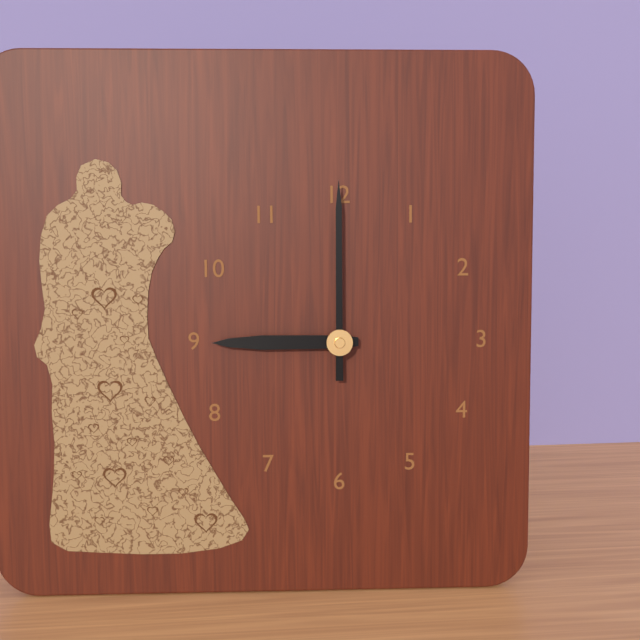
9,00
